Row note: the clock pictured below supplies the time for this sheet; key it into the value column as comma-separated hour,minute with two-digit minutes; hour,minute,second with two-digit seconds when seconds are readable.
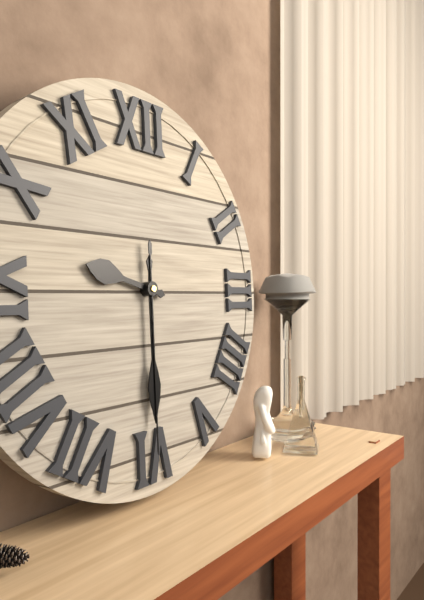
9,30,30
